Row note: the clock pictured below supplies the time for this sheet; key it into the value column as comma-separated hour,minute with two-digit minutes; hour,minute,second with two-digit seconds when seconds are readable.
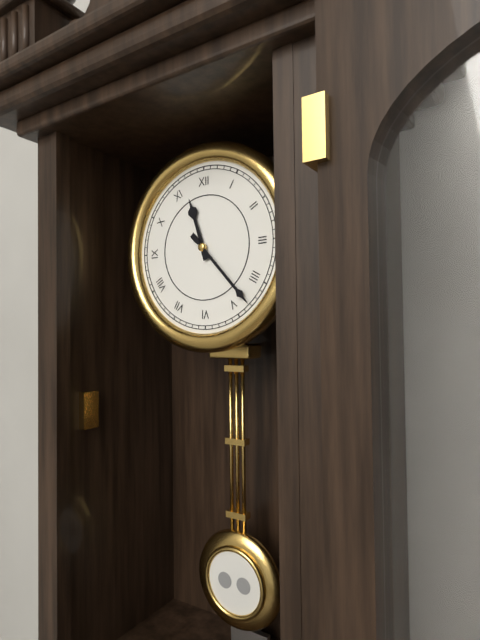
11,23
